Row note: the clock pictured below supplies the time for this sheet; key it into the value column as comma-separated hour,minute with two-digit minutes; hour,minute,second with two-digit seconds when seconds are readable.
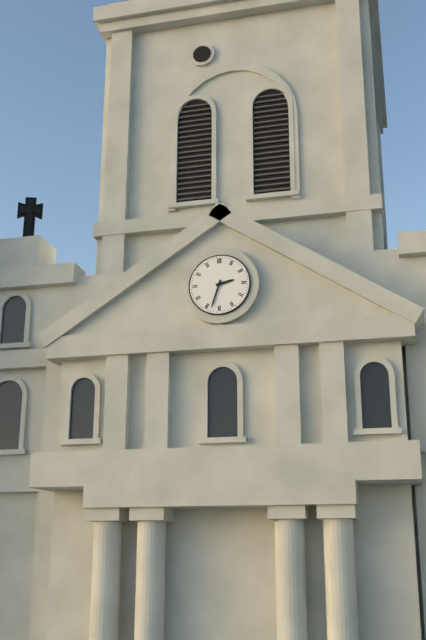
2,33
